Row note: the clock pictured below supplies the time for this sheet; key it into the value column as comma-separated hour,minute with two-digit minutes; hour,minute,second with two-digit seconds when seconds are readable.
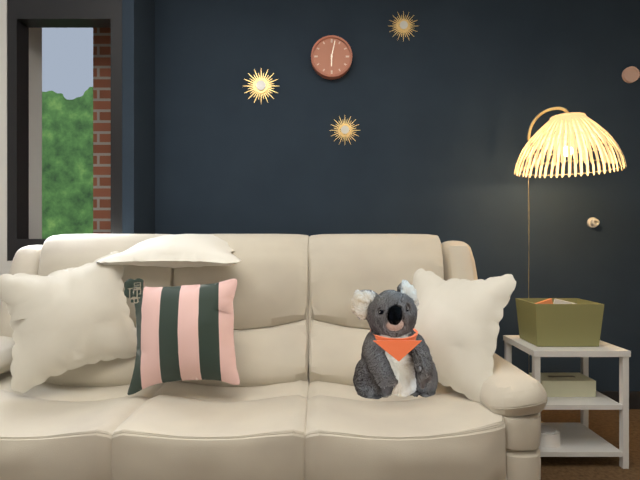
6,02
